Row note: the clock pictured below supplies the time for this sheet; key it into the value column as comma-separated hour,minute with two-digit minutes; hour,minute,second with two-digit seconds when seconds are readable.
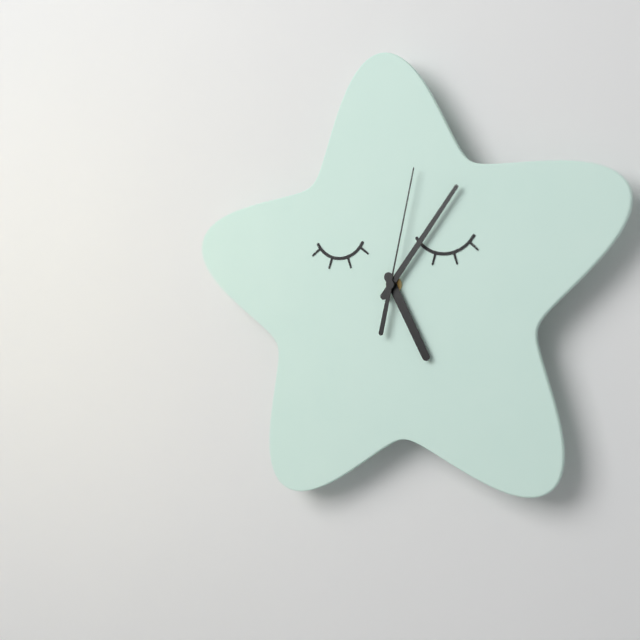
5,06,02
